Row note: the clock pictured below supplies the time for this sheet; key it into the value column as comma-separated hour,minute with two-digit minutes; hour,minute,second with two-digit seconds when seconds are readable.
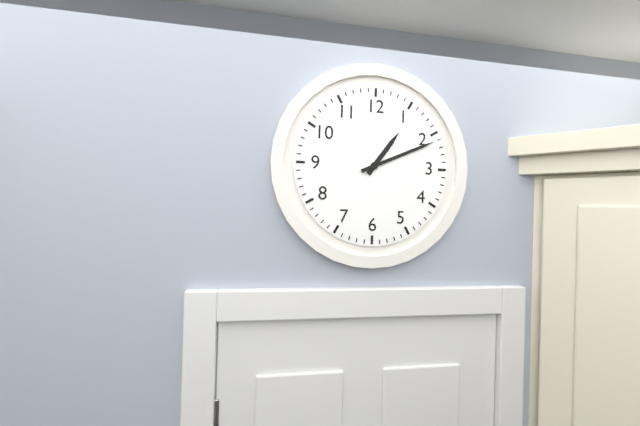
1,11
